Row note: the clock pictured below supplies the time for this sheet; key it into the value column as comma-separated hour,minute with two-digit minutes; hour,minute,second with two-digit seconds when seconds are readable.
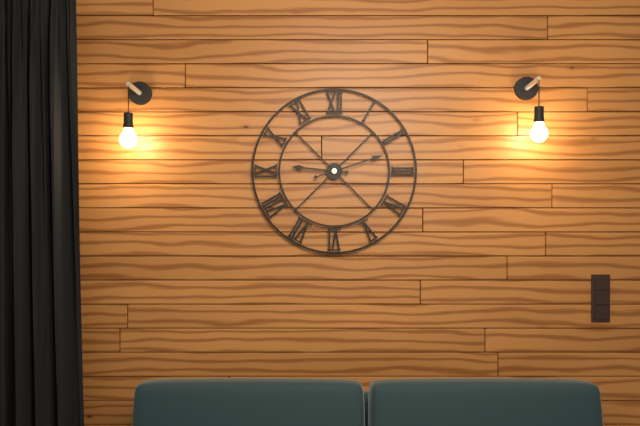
9,12
